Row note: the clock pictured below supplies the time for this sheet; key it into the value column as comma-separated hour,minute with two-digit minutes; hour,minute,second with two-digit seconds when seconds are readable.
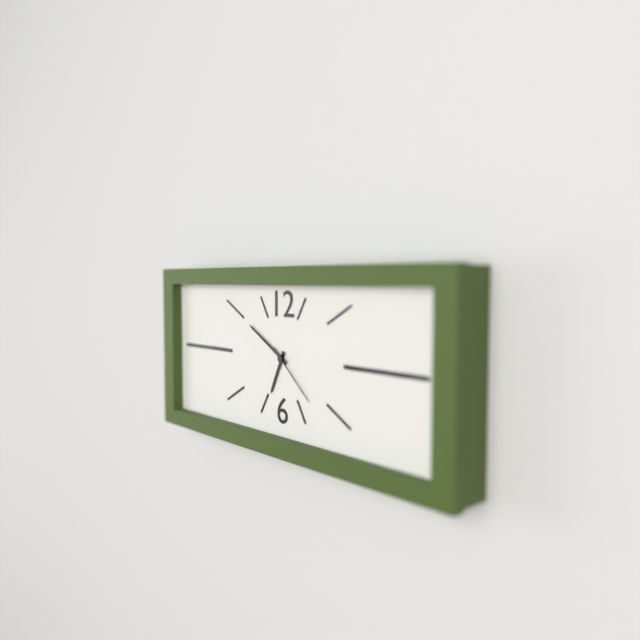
6,50,22
